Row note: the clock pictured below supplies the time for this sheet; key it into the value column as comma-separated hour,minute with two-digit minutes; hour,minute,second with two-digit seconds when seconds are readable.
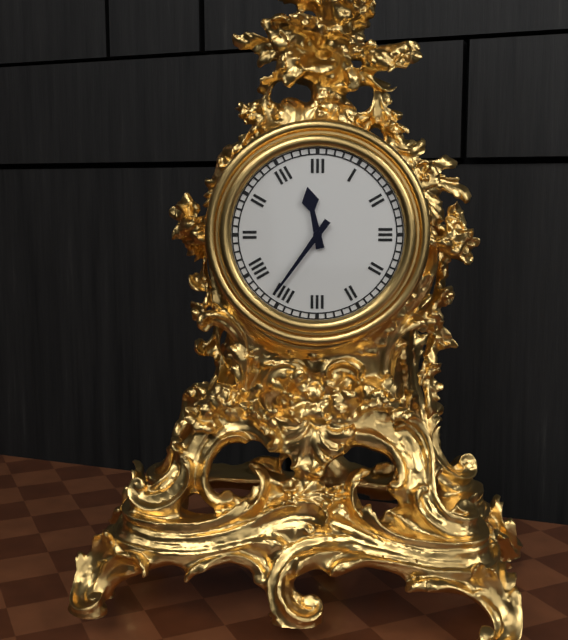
11,36
